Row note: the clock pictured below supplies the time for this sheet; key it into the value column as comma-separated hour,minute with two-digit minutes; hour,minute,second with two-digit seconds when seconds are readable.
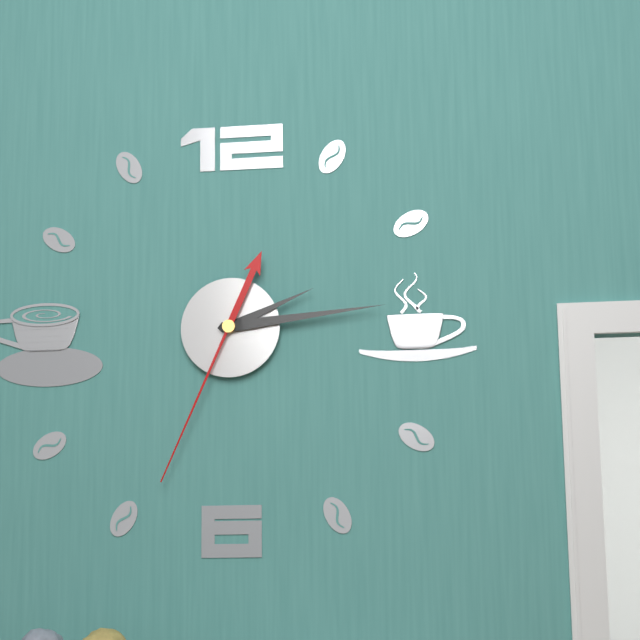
2,14,34
